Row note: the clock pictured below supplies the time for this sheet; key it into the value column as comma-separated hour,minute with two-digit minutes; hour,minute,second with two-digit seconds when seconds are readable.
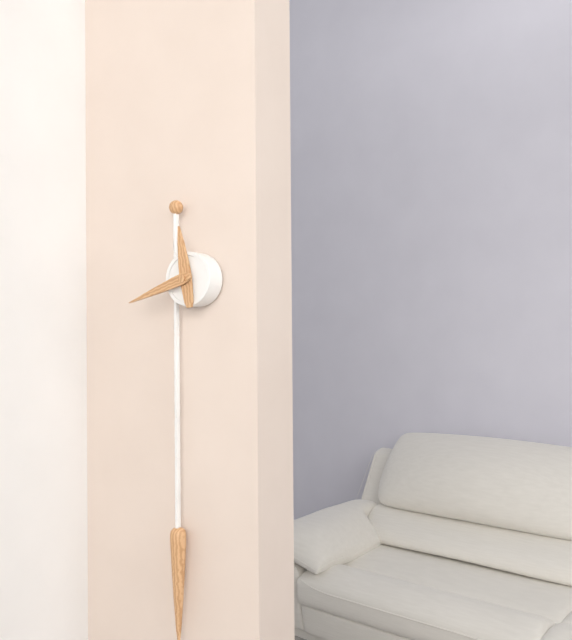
11,42
